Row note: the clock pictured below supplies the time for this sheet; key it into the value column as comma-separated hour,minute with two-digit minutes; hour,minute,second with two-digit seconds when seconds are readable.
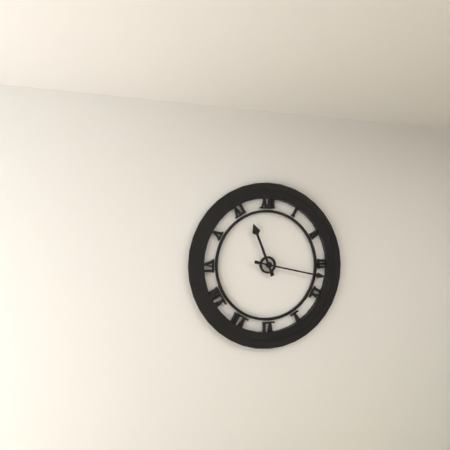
11,17
